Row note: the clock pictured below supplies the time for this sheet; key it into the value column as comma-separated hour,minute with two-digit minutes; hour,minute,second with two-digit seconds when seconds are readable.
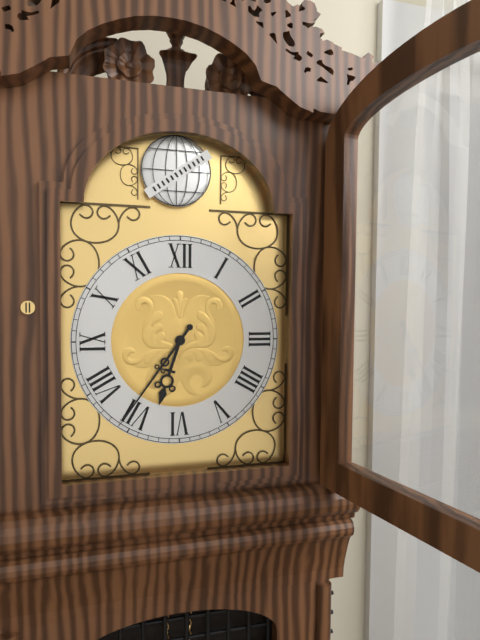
6,36
